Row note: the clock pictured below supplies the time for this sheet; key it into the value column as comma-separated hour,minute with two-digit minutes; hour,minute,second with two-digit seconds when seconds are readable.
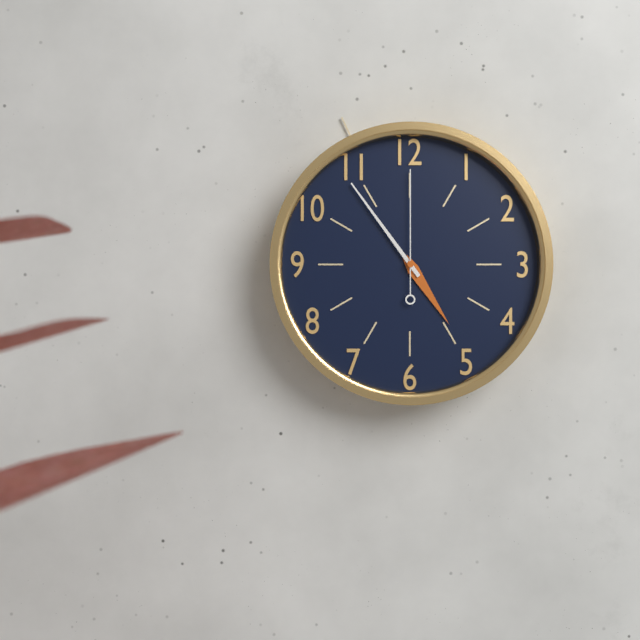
4,54,00
